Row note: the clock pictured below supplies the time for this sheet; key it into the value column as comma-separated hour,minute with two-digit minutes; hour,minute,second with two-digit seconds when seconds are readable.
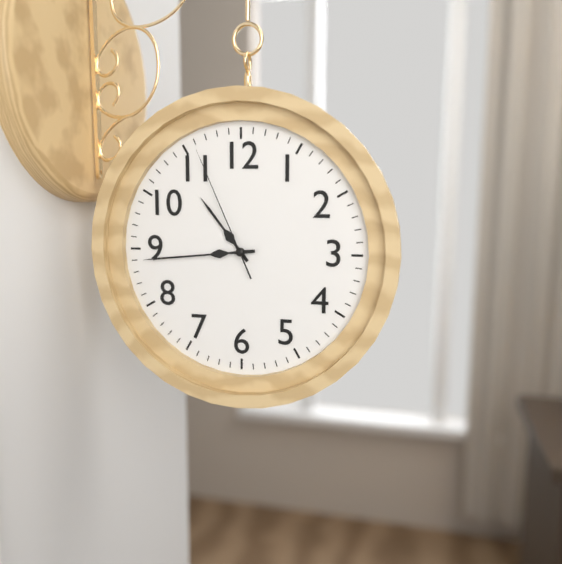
10,44,56
